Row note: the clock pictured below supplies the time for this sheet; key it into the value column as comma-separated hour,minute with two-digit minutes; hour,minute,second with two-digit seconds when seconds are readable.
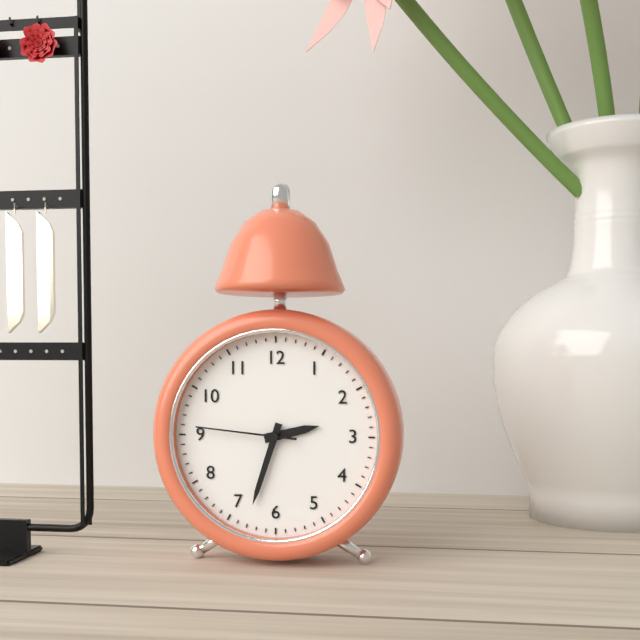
2,33,46
